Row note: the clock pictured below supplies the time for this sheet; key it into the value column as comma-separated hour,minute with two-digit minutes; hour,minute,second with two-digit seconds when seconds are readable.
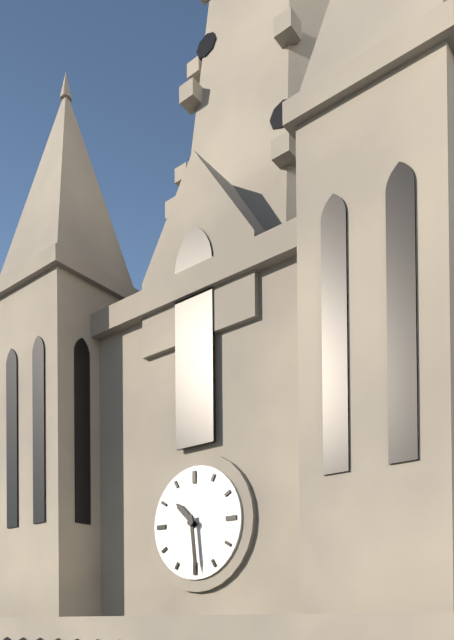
10,29
